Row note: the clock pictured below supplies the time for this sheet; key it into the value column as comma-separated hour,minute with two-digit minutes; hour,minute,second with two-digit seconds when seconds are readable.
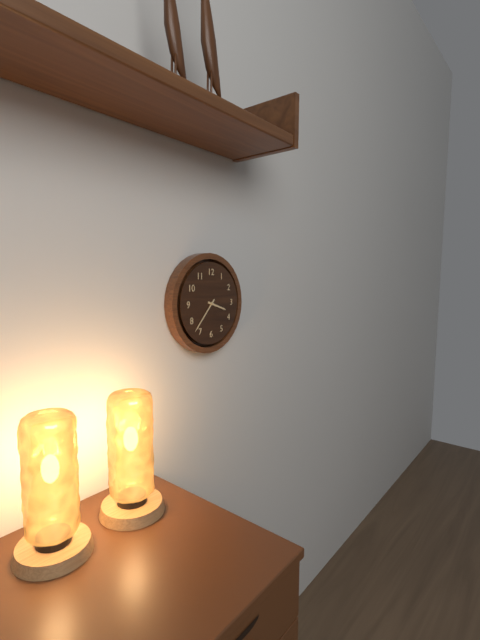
3,37
